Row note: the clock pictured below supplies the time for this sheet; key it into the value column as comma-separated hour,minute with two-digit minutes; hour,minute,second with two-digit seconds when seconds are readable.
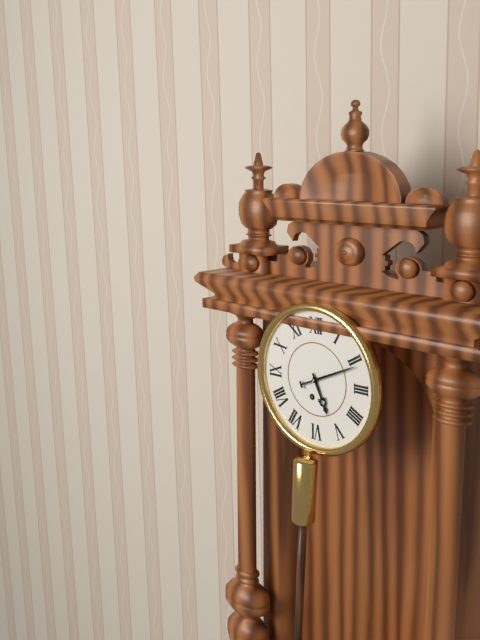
5,11
